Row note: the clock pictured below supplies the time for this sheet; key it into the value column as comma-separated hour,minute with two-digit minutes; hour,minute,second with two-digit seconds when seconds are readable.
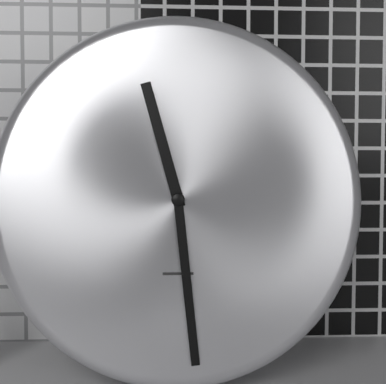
11,29
